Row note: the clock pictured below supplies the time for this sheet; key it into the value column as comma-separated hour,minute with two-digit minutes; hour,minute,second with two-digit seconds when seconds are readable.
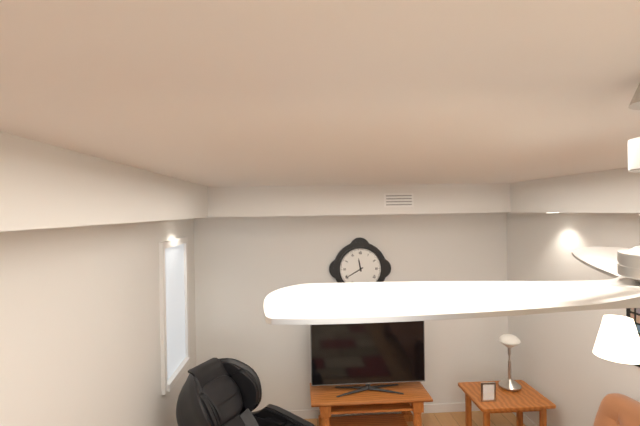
11,40
